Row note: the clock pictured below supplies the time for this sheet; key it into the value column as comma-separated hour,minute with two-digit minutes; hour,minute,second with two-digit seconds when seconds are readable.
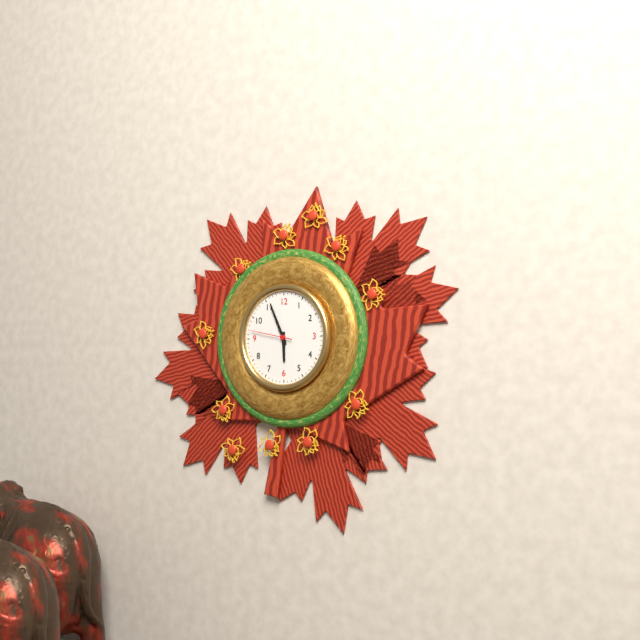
5,56
